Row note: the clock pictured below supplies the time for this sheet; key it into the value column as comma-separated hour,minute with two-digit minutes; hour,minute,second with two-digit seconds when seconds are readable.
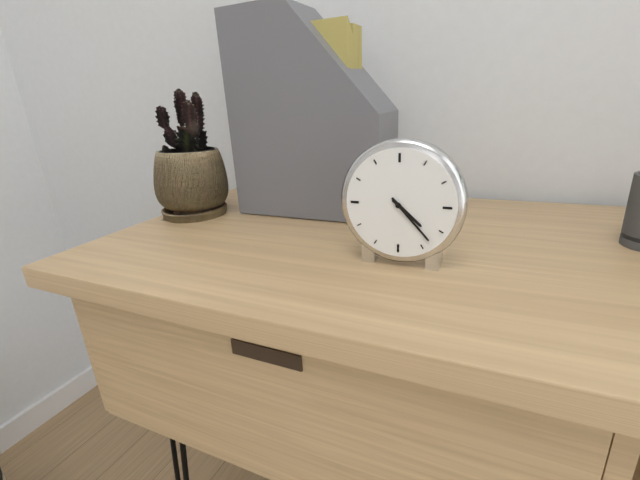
4,23
